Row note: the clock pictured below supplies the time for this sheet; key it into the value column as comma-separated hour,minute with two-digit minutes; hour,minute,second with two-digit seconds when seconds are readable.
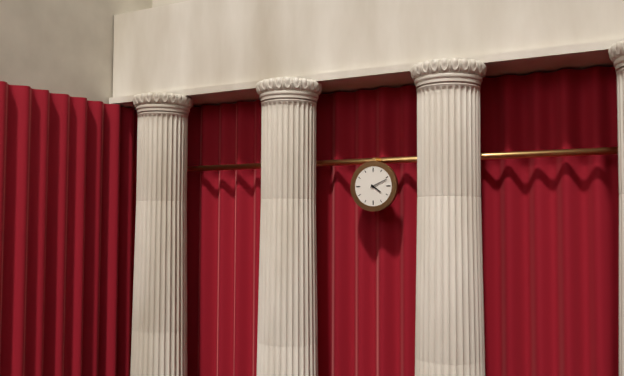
4,11
